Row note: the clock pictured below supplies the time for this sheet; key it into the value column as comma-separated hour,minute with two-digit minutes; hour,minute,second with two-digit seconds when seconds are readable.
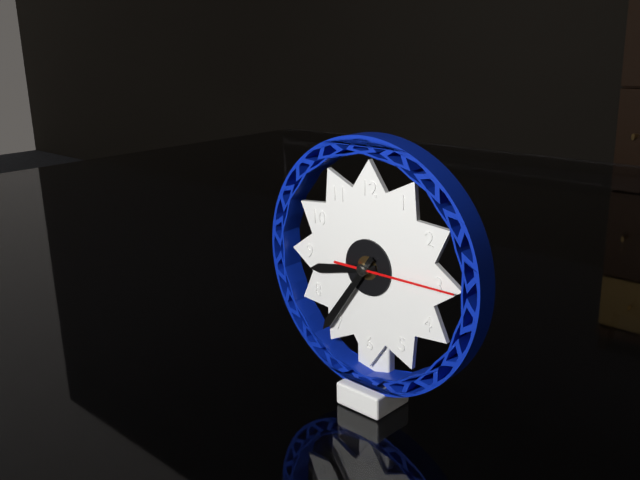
8,36,15
